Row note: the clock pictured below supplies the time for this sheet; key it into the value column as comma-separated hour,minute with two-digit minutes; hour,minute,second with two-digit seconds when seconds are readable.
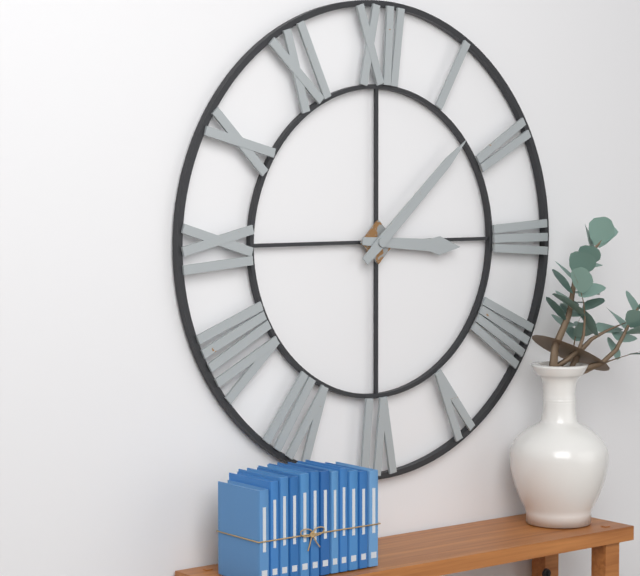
3,08
